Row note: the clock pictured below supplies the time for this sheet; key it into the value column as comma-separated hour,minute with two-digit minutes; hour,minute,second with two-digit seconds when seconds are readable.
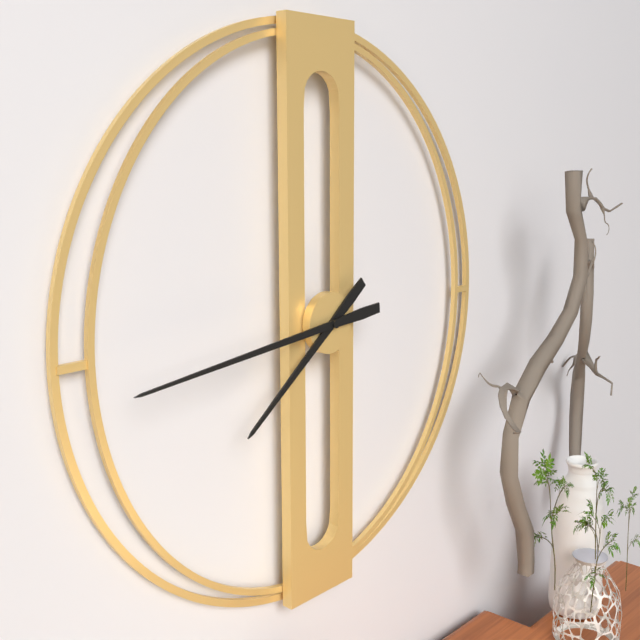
7,44
